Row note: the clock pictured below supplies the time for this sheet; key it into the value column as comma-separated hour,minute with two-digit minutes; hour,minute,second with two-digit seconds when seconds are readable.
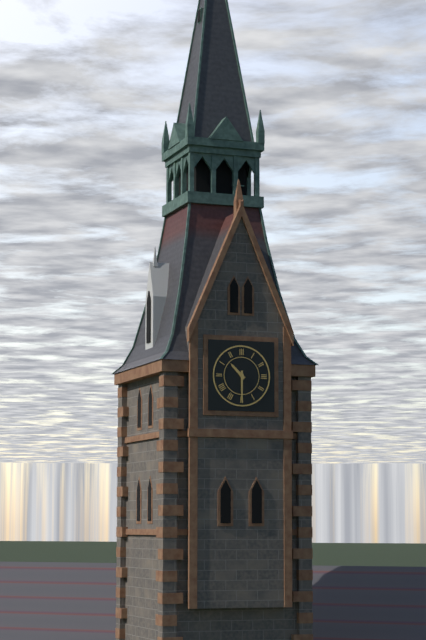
10,30
